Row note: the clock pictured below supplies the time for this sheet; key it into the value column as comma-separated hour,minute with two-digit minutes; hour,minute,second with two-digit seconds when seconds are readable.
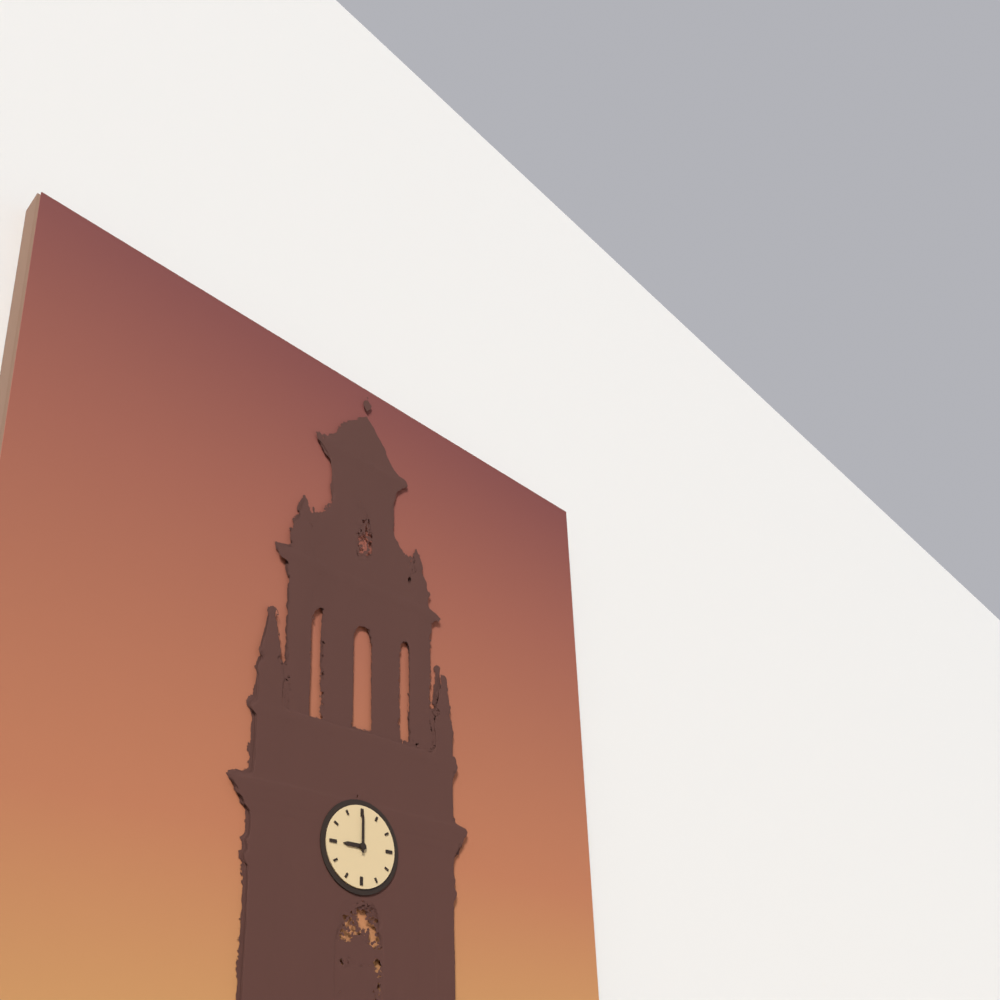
9,00
